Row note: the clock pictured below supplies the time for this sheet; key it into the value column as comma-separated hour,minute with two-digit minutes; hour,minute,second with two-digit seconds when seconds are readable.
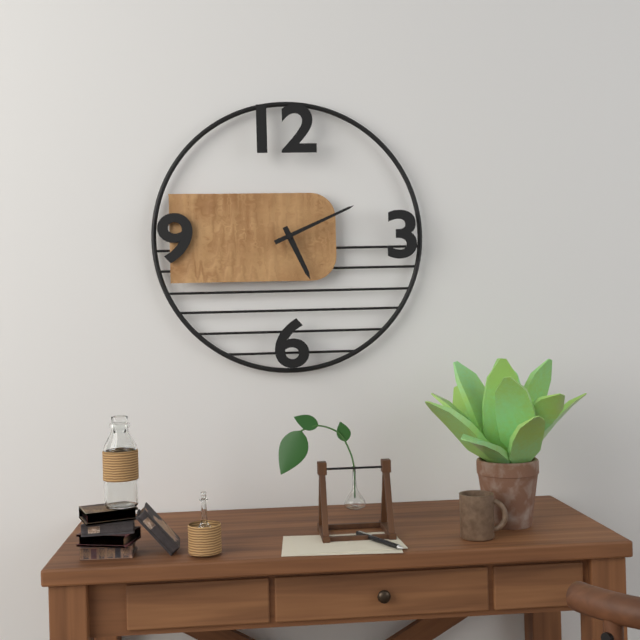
5,11
